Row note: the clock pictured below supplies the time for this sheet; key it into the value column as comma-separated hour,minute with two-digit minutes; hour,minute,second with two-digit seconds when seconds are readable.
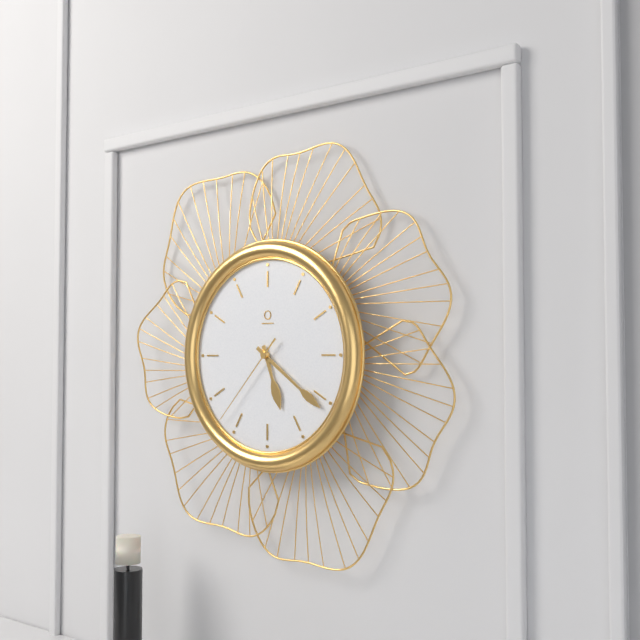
5,21,37
